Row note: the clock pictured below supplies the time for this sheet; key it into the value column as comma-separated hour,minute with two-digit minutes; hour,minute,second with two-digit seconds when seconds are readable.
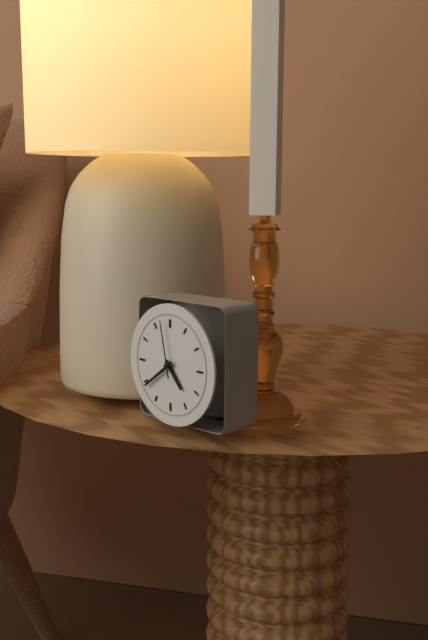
4,39,58
